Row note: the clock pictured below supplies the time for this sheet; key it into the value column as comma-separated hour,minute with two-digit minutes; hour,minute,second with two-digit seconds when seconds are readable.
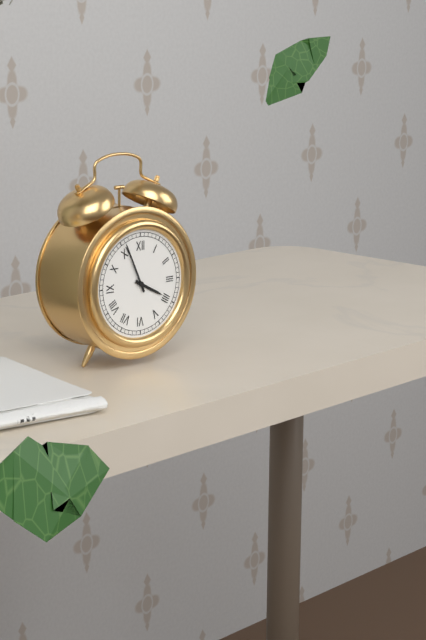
3,56
